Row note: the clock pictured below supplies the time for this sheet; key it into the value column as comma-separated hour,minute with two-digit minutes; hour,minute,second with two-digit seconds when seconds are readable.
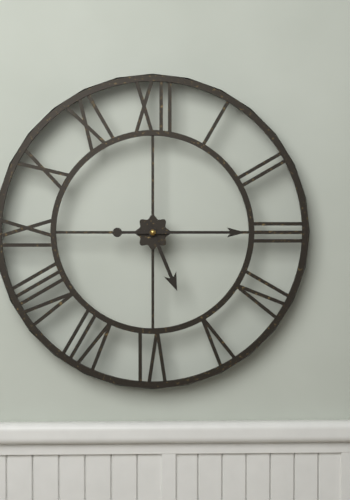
5,15
